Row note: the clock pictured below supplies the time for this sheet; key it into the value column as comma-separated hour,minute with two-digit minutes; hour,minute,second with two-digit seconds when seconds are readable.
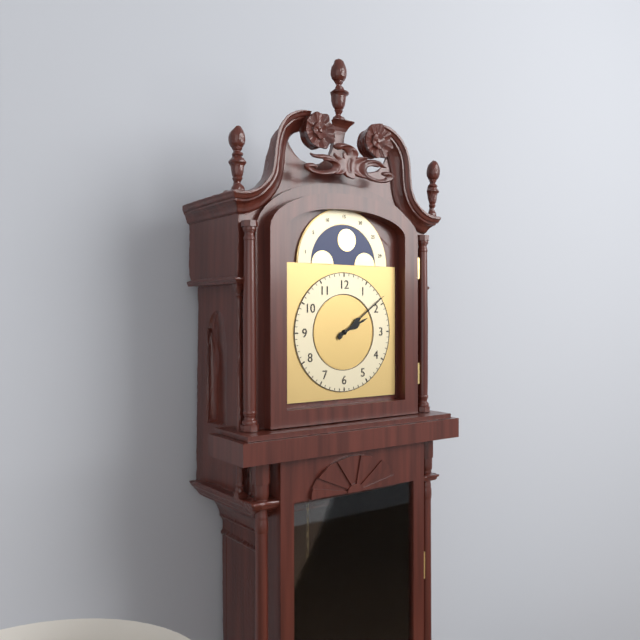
2,09
